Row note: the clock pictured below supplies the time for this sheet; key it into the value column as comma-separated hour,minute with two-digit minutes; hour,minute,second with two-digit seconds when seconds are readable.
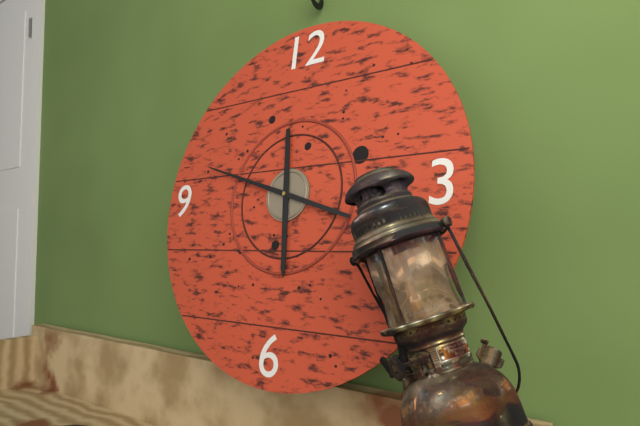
5,48
